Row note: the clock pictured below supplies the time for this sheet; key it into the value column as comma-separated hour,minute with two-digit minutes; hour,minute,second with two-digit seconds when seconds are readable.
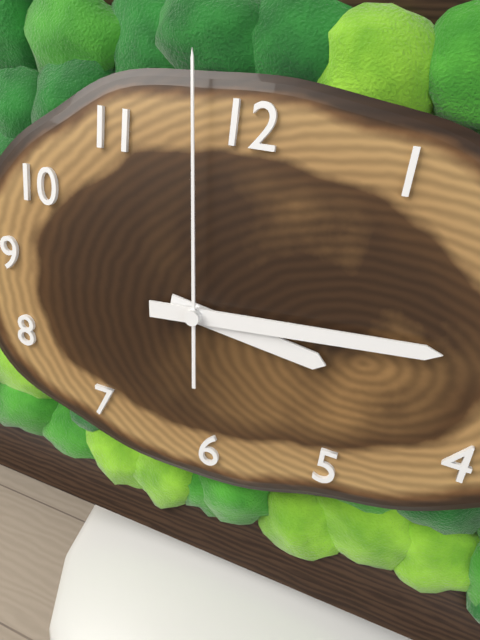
3,14,59
